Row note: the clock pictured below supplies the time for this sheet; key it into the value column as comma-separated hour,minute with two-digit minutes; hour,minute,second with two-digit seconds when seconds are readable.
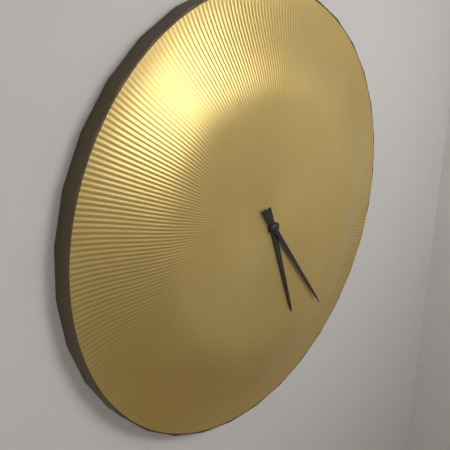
5,24
